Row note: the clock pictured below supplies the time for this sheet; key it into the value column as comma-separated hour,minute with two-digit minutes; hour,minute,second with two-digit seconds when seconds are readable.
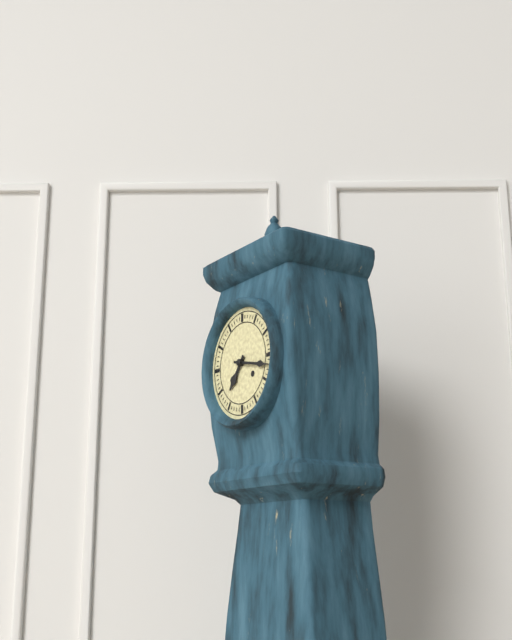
7,17
